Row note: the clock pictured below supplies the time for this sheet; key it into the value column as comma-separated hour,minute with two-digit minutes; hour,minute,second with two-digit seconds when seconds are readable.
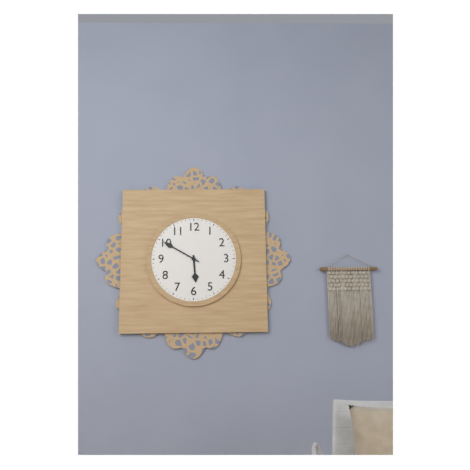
5,50
